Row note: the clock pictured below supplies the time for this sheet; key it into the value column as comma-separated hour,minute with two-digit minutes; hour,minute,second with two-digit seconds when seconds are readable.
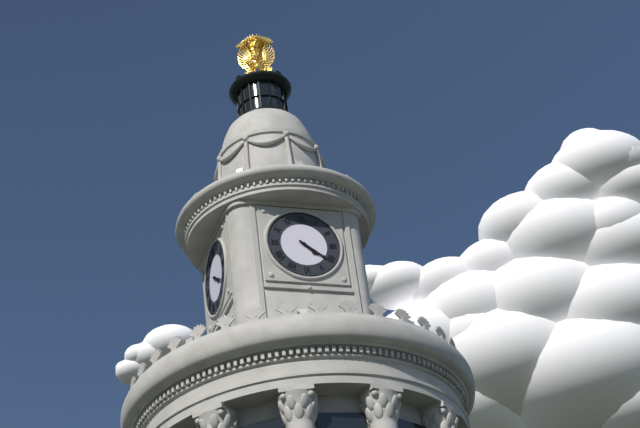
4,21
